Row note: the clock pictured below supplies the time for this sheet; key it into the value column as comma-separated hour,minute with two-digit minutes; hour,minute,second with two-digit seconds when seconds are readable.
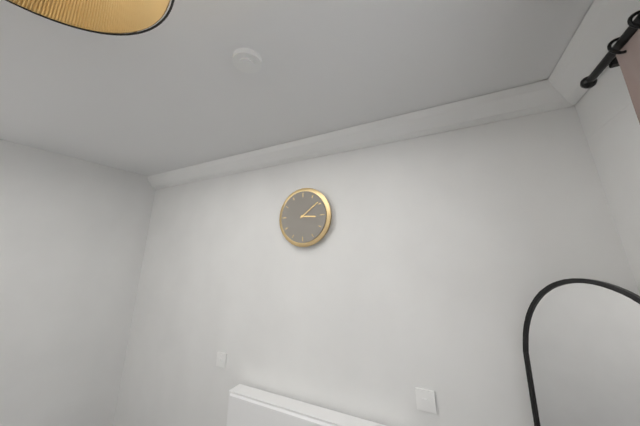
3,09
